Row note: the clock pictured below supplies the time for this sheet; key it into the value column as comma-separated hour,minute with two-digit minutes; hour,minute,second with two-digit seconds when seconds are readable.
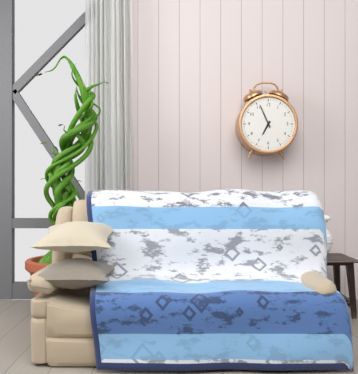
6,56
